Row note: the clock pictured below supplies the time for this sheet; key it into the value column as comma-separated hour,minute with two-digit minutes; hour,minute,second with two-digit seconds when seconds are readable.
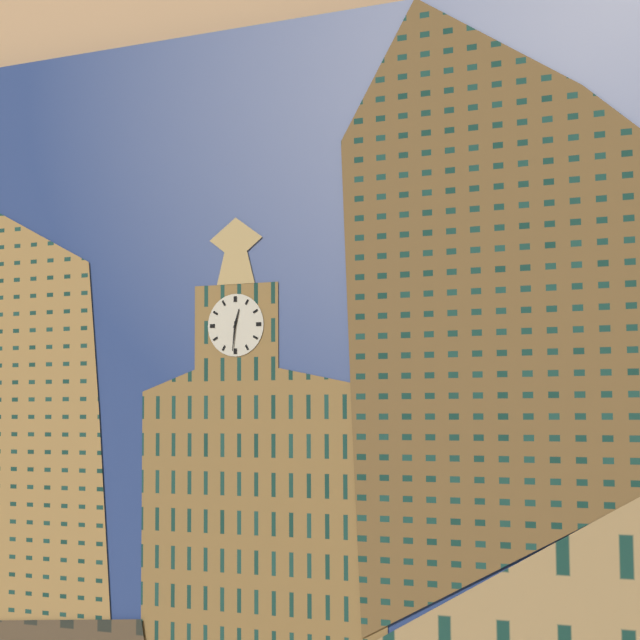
12,31
